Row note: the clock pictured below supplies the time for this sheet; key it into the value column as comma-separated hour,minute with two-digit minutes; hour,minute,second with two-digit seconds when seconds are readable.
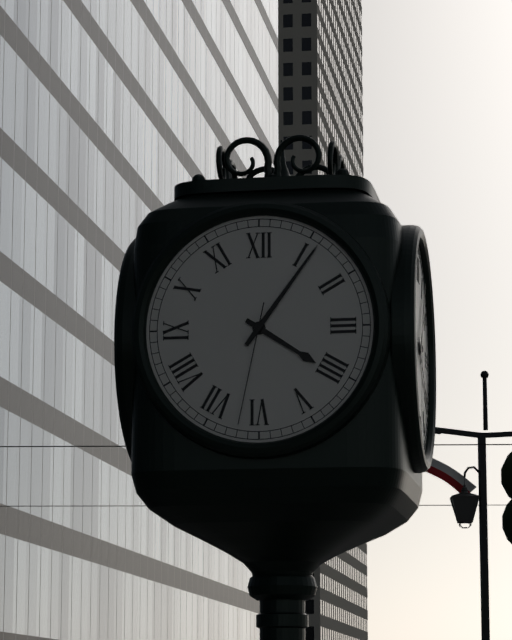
4,06,32
